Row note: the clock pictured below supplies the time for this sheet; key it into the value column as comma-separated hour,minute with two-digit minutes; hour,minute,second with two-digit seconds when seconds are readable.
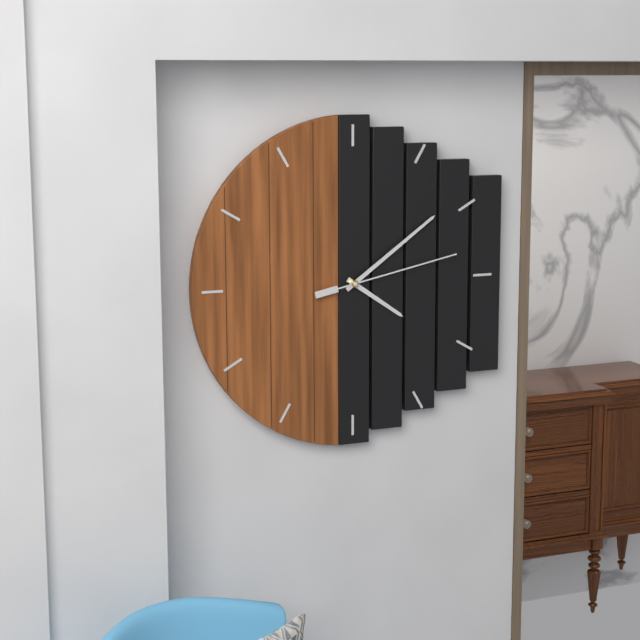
4,09,13
